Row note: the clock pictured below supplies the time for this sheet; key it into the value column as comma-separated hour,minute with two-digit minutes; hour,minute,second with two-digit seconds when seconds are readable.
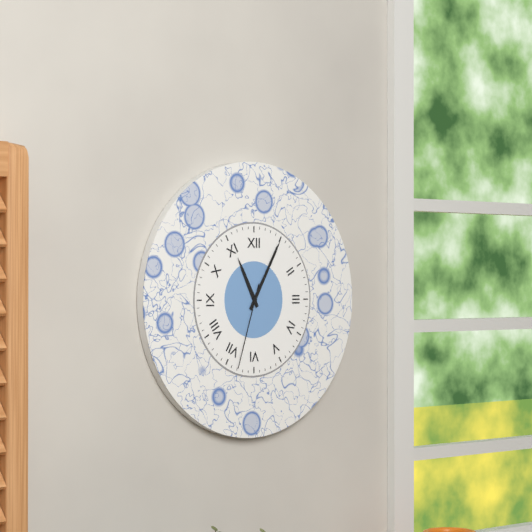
11,05,33
